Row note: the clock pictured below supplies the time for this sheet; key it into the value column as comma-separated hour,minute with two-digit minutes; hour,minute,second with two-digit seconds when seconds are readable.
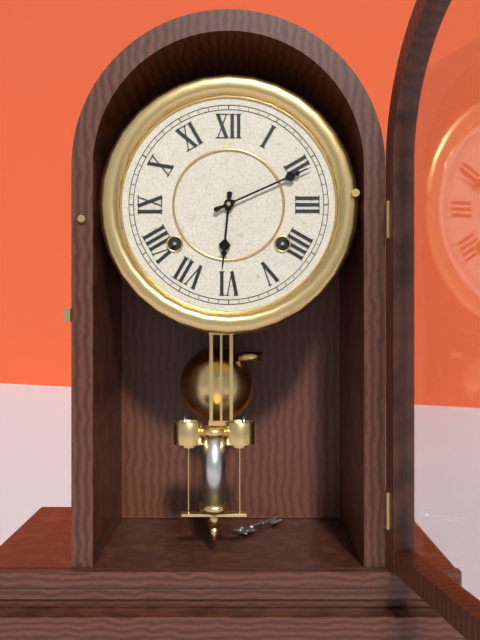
6,11
